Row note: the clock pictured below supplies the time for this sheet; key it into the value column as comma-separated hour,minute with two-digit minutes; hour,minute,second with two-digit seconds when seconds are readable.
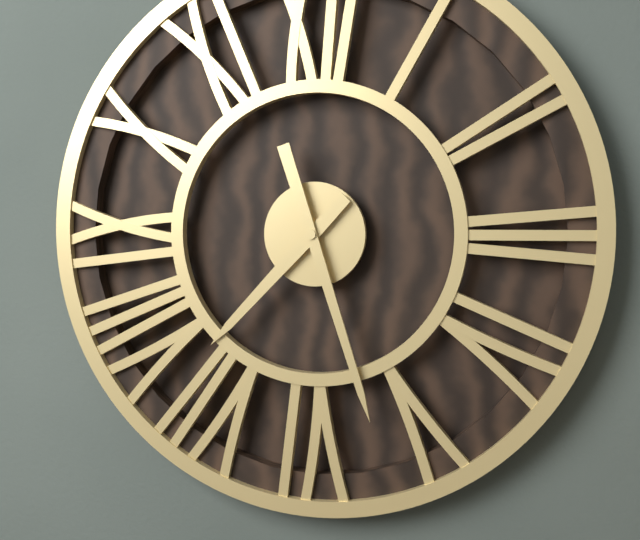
7,27
